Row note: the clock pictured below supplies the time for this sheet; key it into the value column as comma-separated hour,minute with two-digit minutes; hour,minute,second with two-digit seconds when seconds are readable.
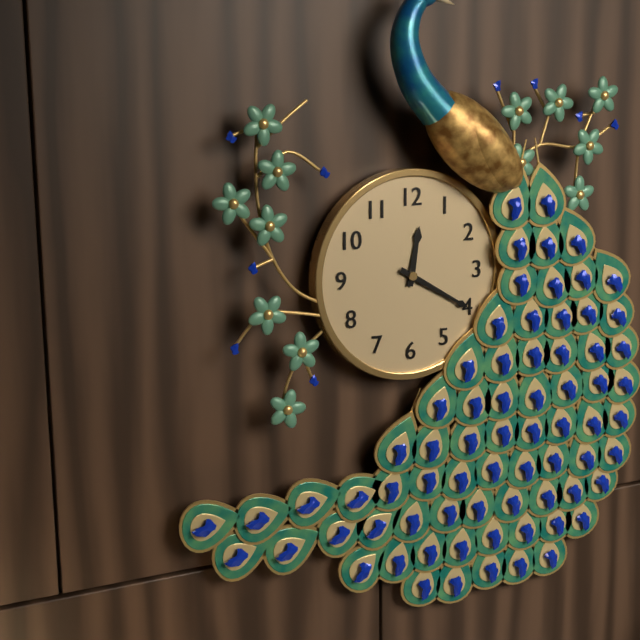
12,20
